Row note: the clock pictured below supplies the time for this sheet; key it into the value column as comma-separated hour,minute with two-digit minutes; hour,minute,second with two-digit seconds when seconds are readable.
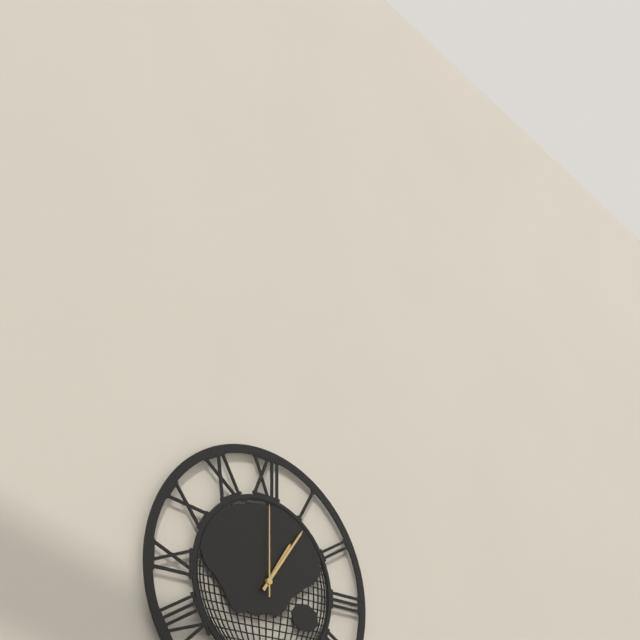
1,06,00
